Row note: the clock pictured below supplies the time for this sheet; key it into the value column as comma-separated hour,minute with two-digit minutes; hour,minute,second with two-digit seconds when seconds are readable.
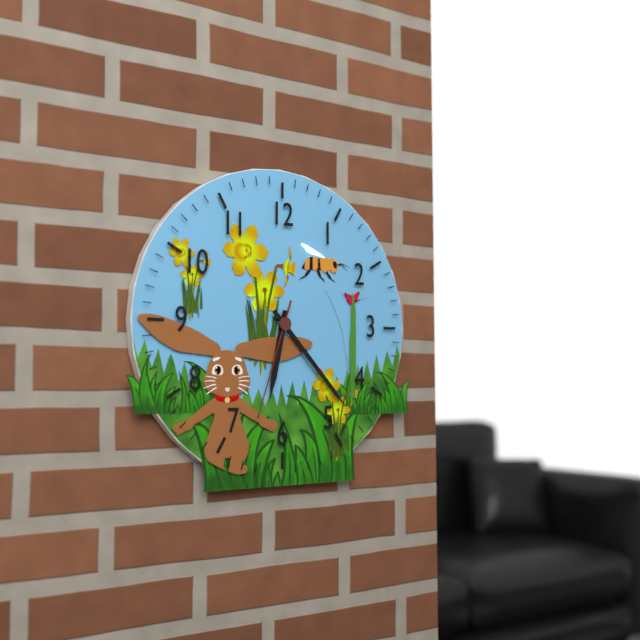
6,23,33
